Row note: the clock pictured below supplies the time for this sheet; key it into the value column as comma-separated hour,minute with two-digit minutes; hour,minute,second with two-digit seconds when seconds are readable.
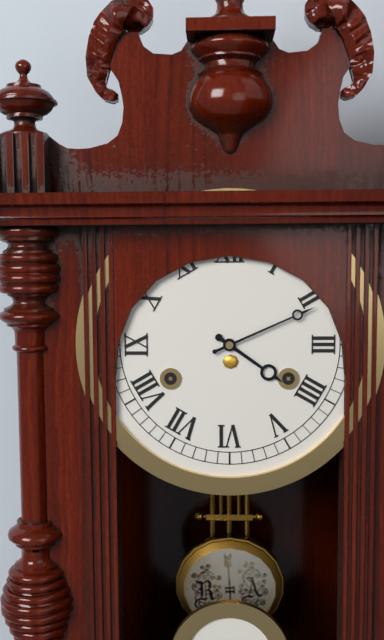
4,11
